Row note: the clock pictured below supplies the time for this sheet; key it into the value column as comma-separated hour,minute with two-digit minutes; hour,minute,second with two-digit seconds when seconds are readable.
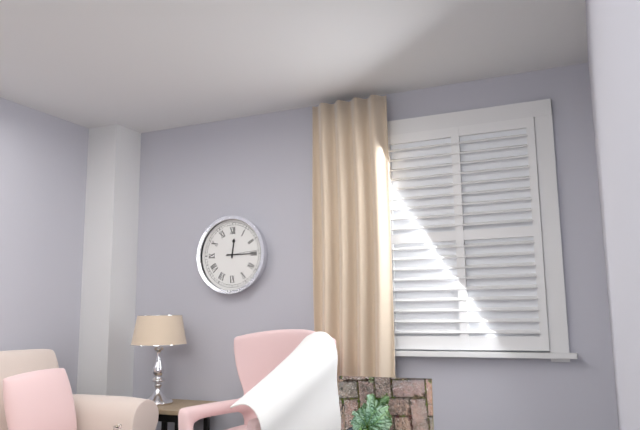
12,15
